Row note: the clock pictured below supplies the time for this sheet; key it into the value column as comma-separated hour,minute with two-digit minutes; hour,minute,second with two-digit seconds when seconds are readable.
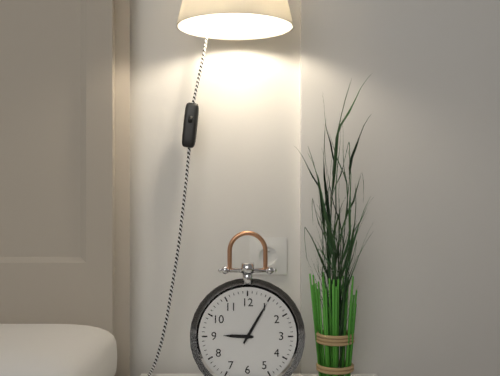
9,05
